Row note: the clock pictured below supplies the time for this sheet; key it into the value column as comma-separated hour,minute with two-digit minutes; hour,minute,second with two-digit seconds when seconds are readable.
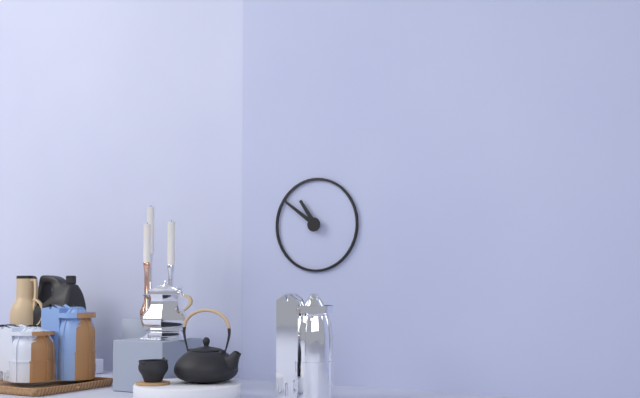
10,51
